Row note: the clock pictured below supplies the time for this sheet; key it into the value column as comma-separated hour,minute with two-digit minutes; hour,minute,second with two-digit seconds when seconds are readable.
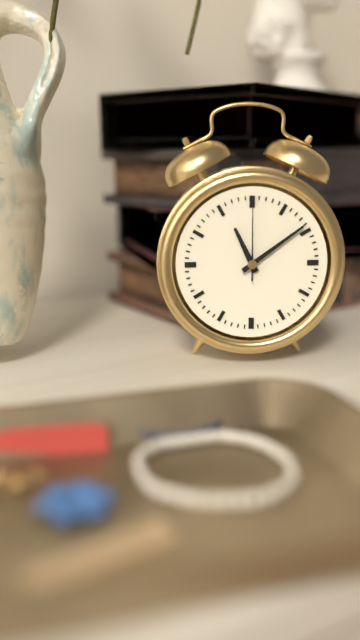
11,09,00
